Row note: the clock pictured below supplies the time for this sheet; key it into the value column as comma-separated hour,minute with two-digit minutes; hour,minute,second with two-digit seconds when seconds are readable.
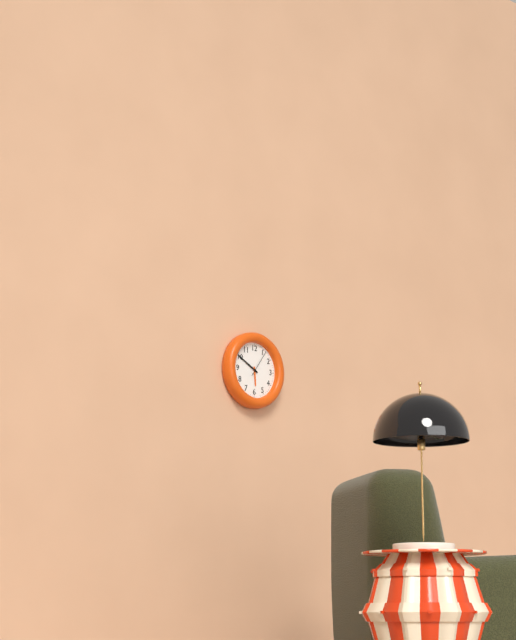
5,50
